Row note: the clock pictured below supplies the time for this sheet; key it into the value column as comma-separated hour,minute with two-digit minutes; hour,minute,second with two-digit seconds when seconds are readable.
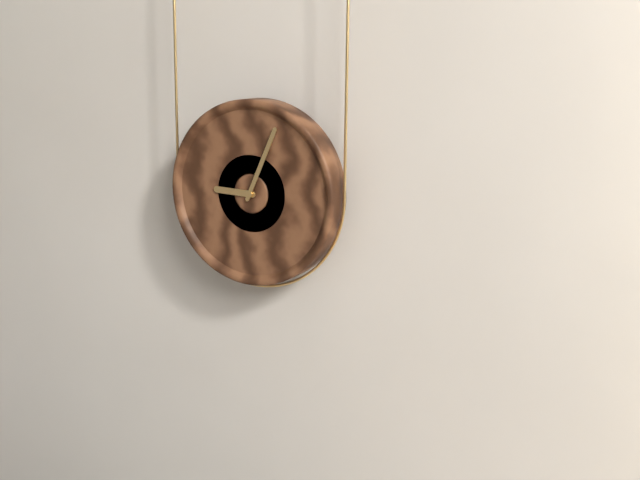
9,04
